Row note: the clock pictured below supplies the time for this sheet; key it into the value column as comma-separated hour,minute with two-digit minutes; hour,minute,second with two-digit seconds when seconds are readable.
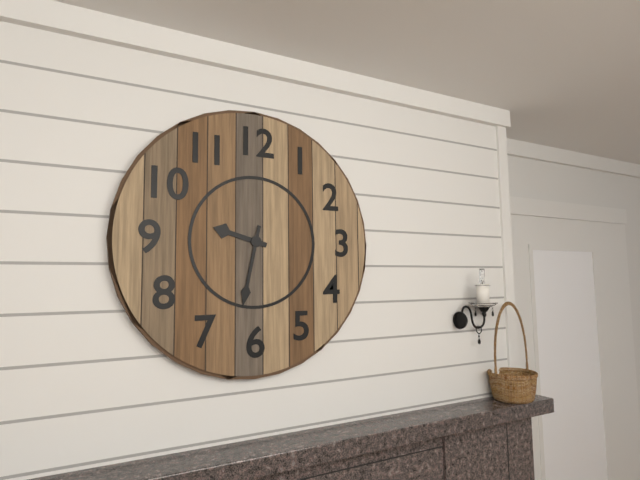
9,32
